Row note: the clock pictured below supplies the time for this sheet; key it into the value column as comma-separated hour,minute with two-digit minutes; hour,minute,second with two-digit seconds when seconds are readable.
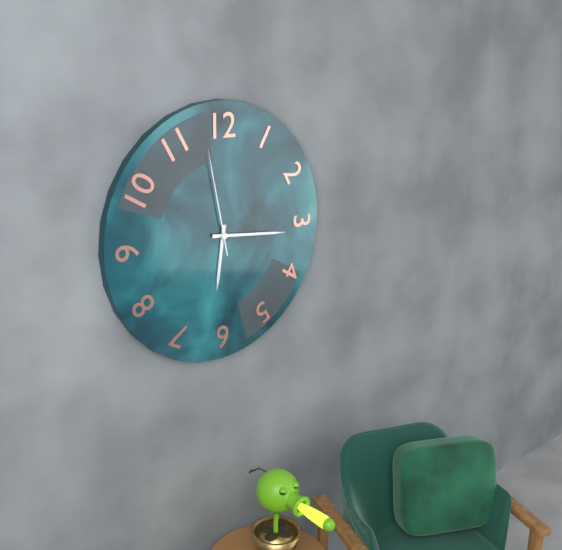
6,16,58
